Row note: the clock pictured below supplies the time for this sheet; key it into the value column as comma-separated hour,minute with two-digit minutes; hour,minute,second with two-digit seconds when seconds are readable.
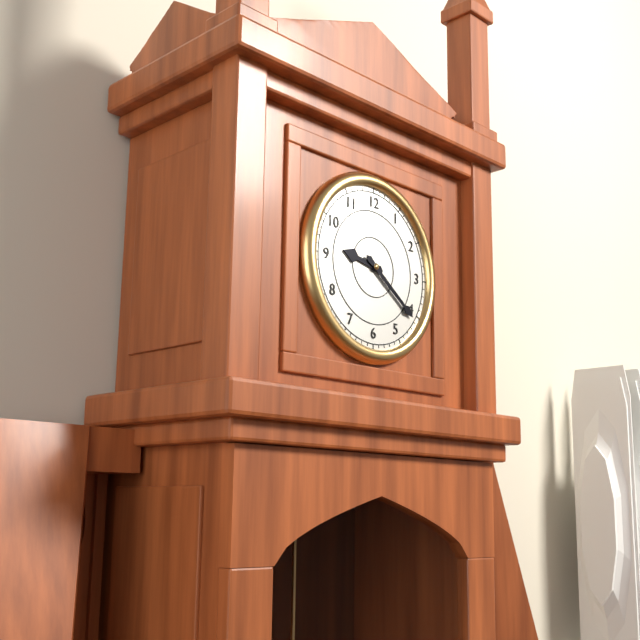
9,21
